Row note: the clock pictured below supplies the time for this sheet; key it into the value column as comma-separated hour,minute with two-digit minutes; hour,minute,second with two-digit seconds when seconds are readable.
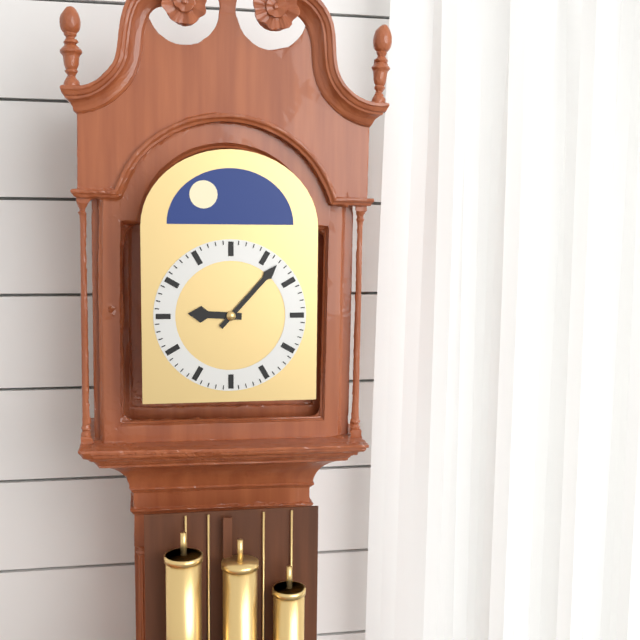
9,07
